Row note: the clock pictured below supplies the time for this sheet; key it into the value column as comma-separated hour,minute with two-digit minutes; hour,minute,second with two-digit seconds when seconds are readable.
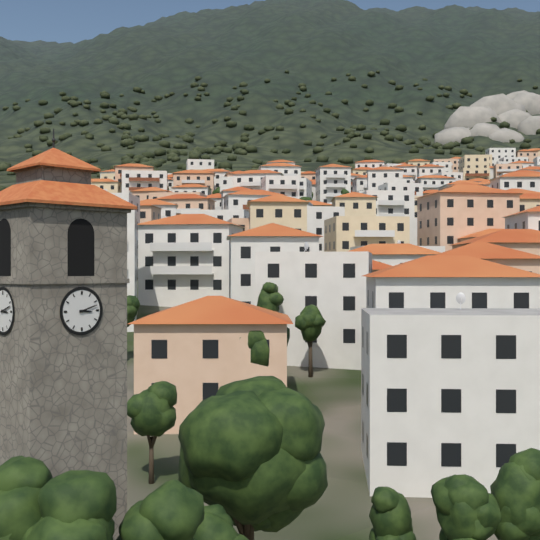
3,12
